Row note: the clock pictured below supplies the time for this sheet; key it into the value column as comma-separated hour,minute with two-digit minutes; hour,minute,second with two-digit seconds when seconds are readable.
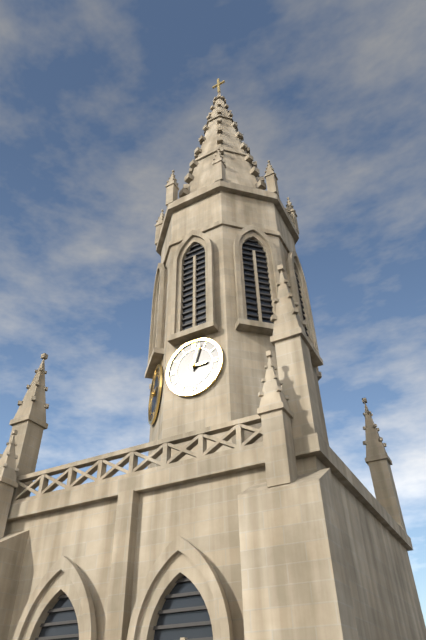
3,03
